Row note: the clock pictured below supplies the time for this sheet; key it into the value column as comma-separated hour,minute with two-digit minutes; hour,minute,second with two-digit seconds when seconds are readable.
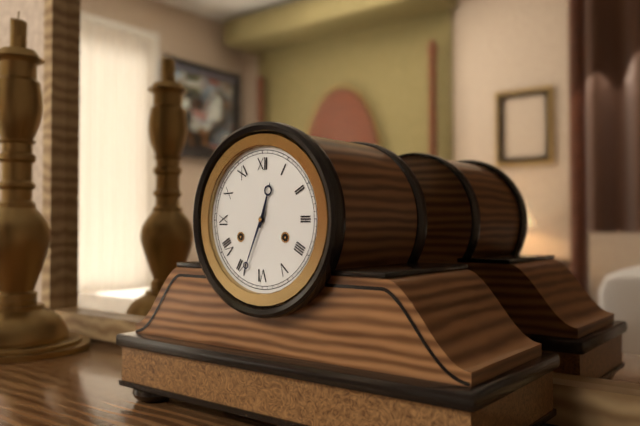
12,34
